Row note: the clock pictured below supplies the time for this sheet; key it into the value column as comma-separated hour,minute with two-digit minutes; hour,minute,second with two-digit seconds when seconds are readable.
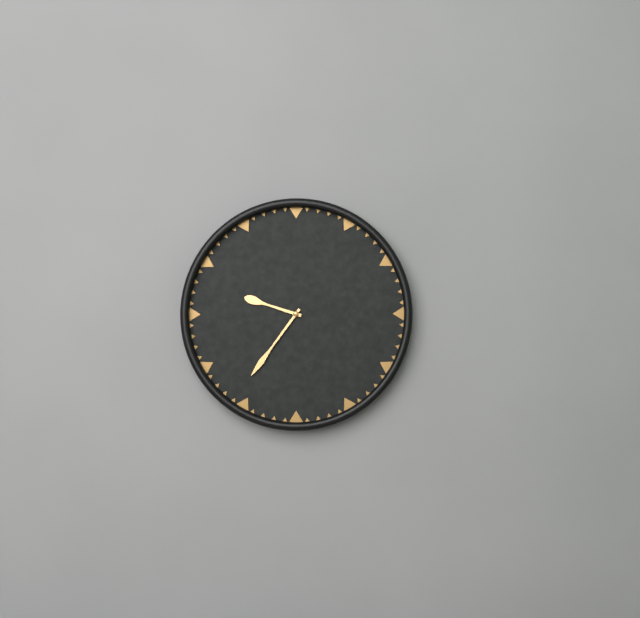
9,36
